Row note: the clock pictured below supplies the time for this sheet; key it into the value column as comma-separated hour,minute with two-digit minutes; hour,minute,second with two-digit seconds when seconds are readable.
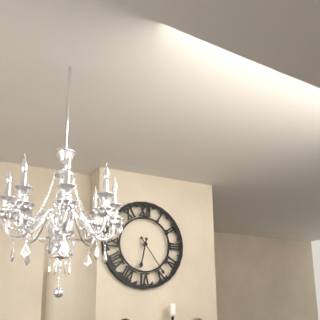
6,24
